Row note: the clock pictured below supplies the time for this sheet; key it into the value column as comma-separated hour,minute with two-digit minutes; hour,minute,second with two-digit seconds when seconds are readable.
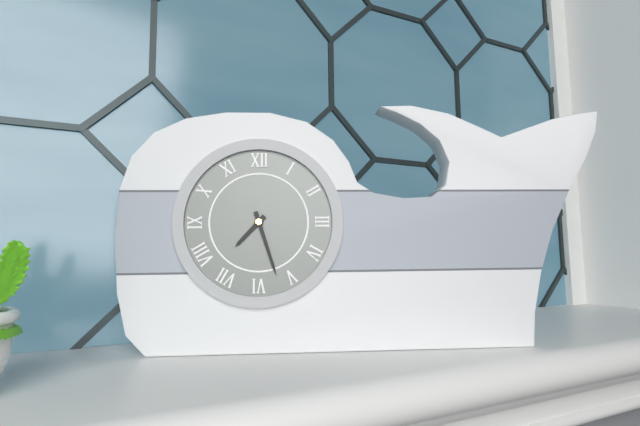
7,27
